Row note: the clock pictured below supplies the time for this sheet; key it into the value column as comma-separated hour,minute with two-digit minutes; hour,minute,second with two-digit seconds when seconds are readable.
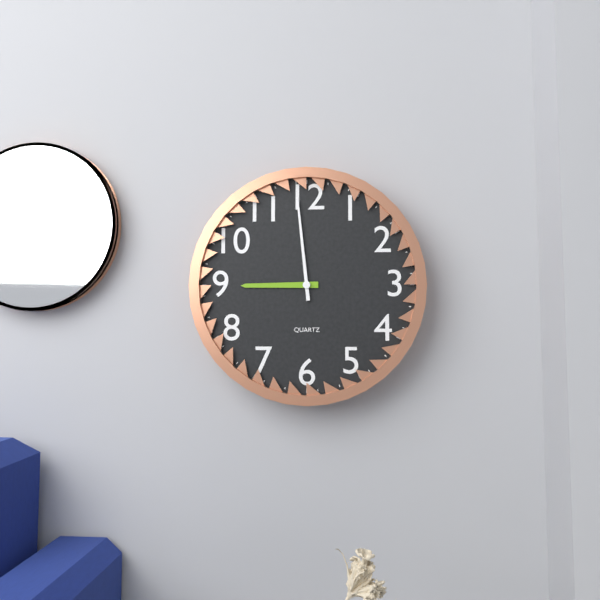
8,59
